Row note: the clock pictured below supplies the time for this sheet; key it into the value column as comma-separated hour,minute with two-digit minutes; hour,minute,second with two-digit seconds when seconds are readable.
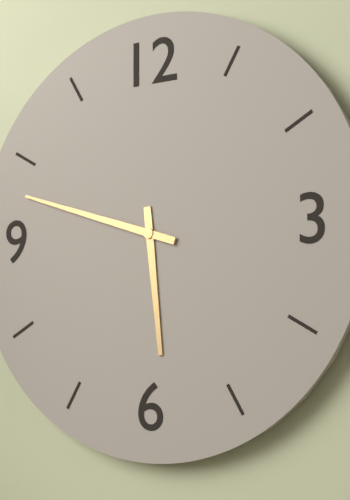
5,48
